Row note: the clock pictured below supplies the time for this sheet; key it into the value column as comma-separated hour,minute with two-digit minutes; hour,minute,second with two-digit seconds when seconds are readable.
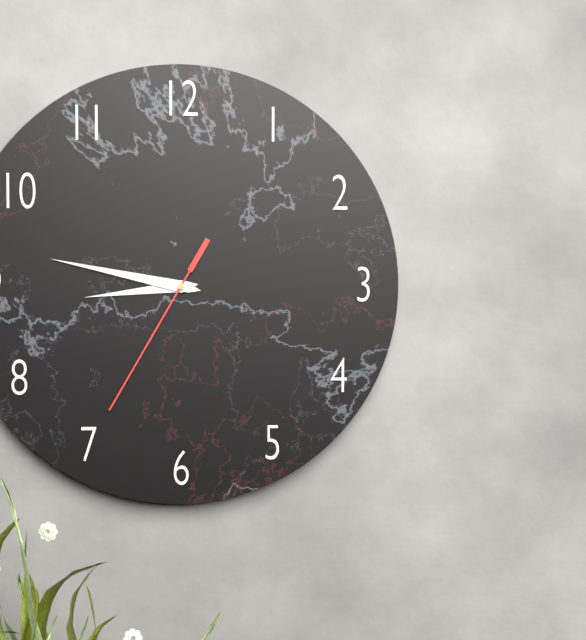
8,47,35
